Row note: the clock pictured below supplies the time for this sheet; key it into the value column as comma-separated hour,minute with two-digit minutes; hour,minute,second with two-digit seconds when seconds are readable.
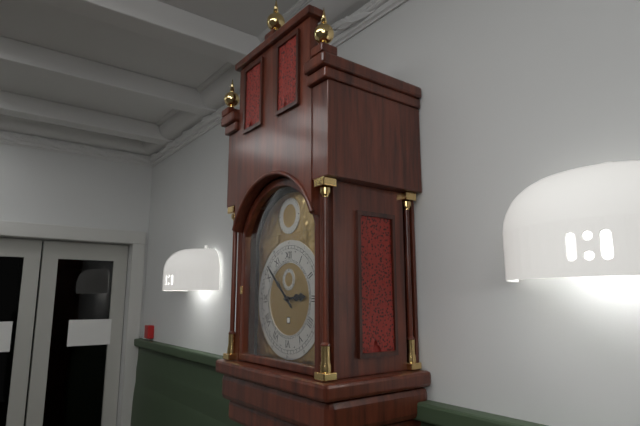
2,52
